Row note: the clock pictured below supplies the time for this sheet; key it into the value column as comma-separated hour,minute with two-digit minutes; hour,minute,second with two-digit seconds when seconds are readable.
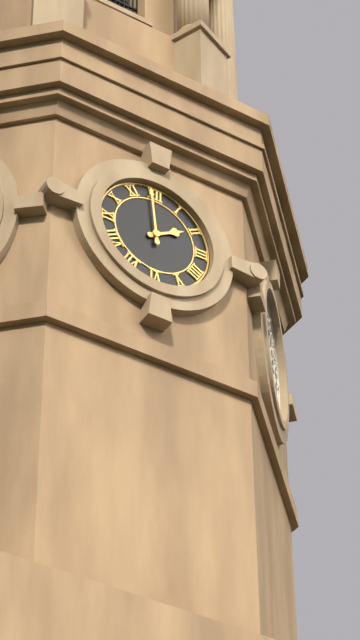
1,59
